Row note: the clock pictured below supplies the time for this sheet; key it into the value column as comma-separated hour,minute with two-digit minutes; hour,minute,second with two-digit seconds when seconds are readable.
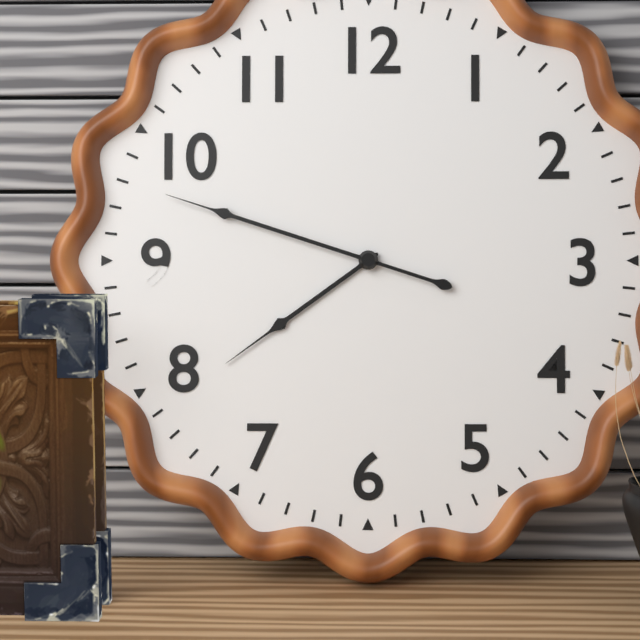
7,48
